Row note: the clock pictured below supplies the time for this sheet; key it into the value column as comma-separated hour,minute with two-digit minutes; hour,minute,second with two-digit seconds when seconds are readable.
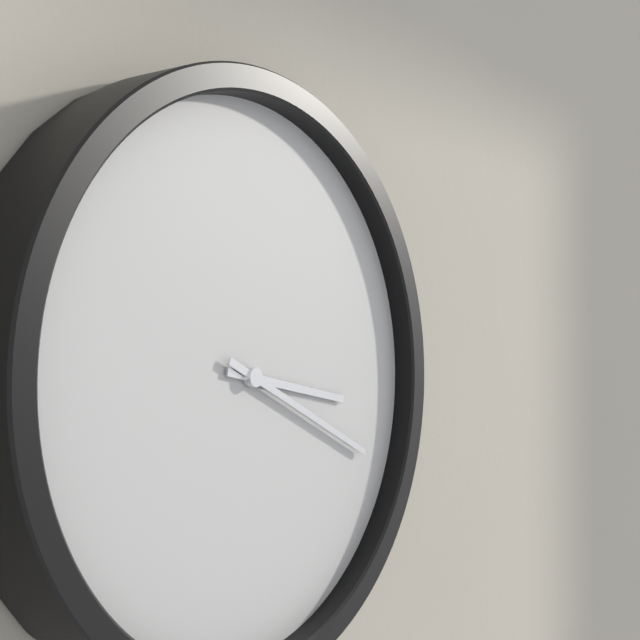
3,19
